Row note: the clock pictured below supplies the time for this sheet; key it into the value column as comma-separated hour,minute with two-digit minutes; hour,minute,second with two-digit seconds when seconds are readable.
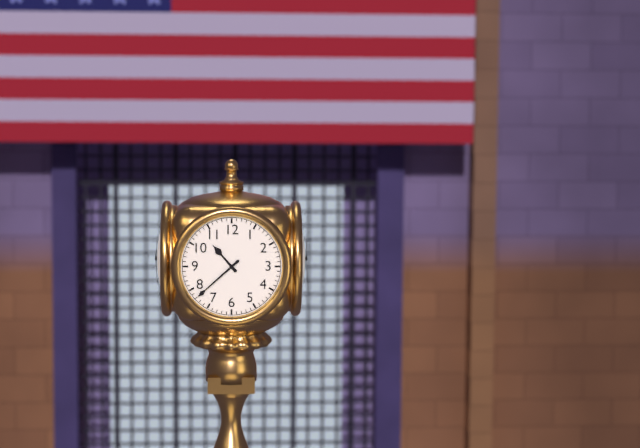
10,38
